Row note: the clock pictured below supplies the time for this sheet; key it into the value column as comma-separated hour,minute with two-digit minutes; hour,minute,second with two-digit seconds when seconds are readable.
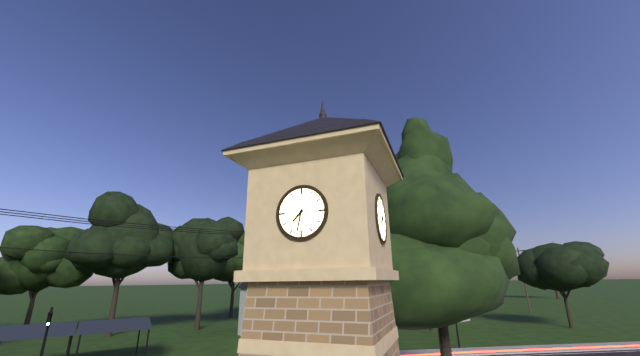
7,32
